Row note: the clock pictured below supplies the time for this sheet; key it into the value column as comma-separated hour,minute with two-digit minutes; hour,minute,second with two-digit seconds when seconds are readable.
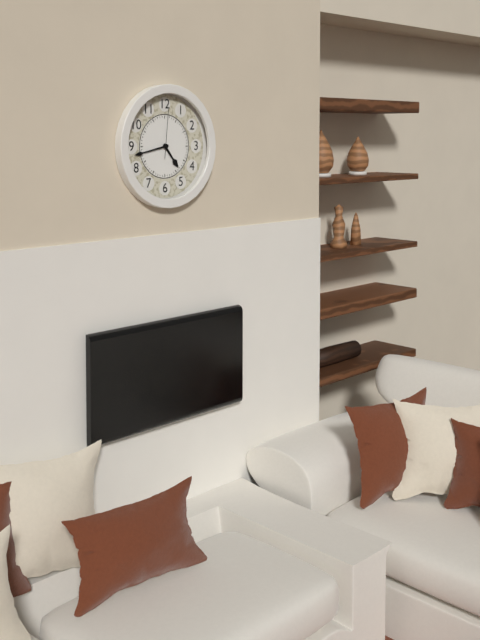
4,43
